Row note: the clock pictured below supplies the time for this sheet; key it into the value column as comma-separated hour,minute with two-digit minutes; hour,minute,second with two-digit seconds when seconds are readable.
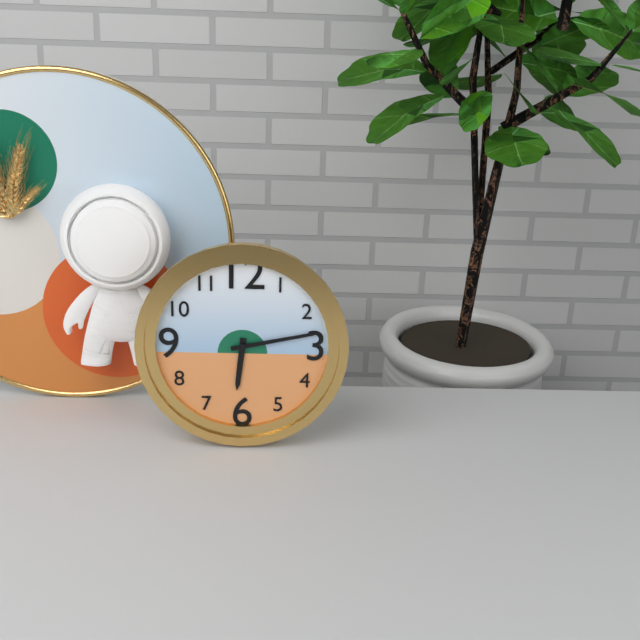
6,13
